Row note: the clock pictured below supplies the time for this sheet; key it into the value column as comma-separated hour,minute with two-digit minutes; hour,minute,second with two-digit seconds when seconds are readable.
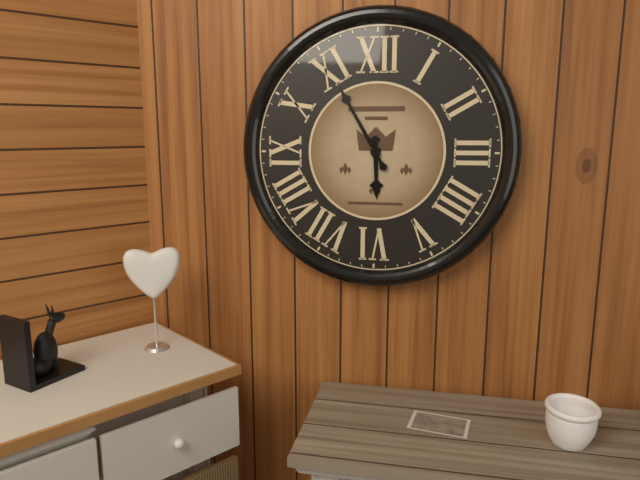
5,55
